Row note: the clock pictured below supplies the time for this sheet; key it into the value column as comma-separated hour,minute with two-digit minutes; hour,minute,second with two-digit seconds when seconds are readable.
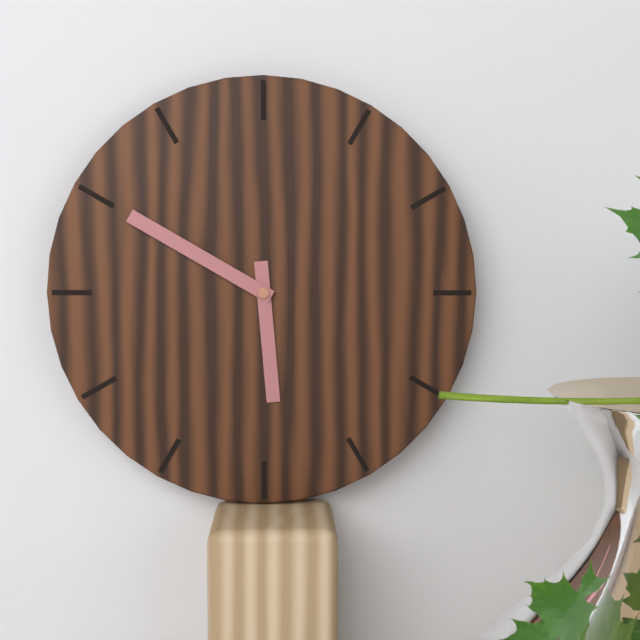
5,50
